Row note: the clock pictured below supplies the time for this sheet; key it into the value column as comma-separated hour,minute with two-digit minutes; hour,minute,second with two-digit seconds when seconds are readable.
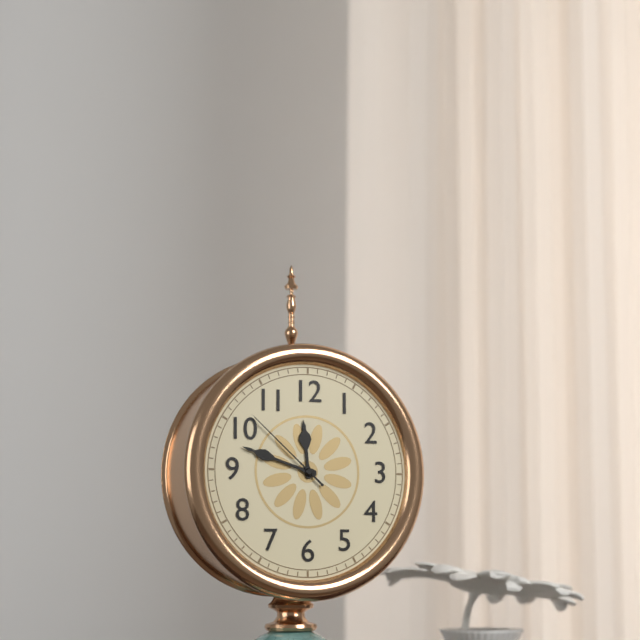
11,48,52
